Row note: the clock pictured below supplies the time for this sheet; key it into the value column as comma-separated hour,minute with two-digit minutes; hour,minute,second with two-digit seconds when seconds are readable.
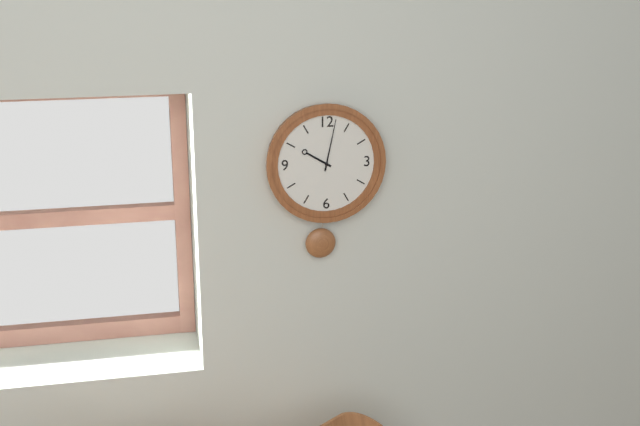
10,02
